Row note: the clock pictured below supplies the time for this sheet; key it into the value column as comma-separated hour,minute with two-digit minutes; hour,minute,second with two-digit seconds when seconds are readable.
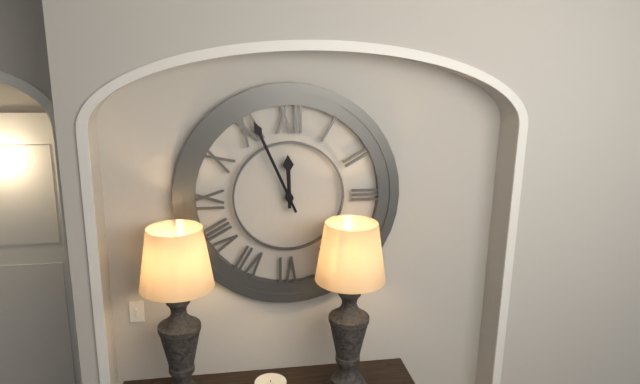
11,56
